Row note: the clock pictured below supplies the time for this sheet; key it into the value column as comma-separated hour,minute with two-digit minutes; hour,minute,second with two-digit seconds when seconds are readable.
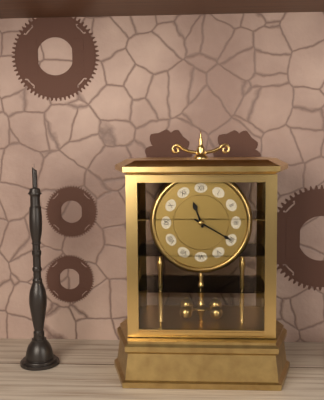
11,20
